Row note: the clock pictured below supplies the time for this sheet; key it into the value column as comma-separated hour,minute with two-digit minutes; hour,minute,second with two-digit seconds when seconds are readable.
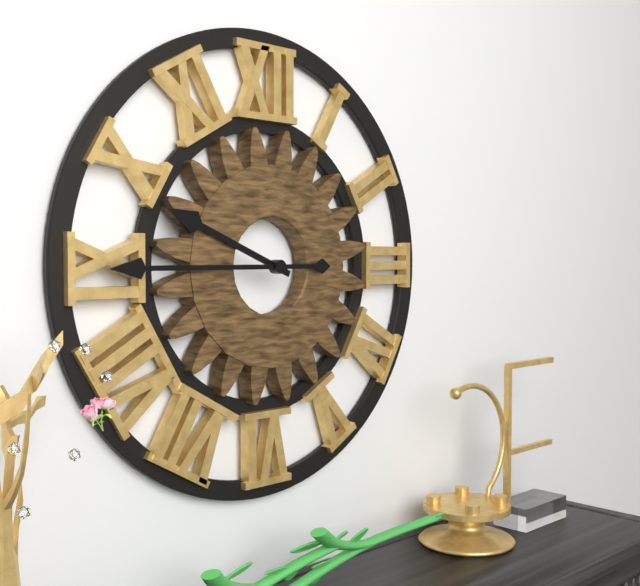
9,45
